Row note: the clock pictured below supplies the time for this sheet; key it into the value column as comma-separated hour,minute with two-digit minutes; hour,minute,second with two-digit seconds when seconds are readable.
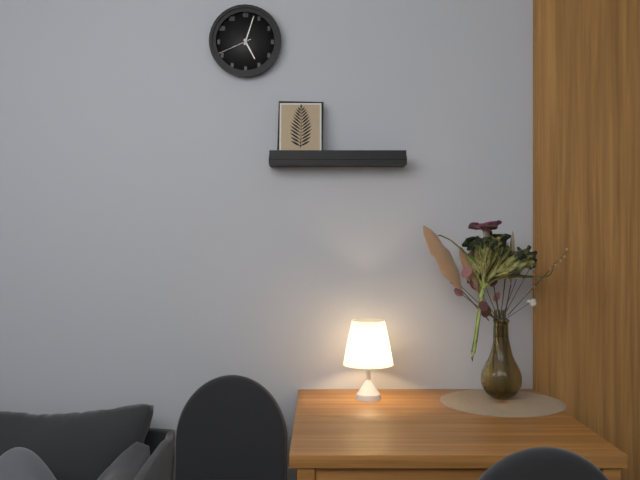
5,03
